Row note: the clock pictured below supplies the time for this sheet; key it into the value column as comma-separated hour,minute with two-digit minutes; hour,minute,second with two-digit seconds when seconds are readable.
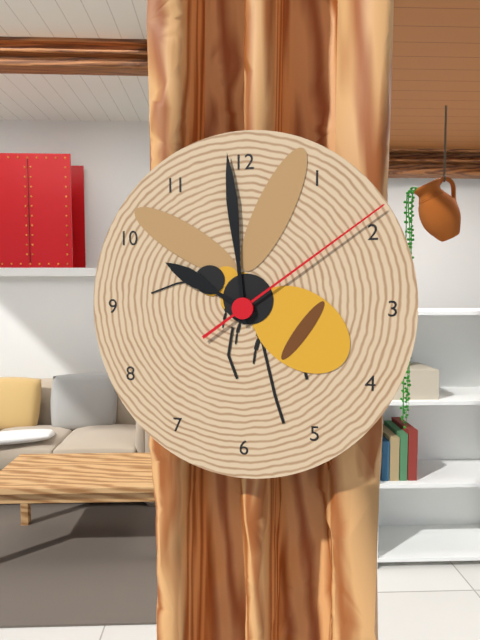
9,59,09
